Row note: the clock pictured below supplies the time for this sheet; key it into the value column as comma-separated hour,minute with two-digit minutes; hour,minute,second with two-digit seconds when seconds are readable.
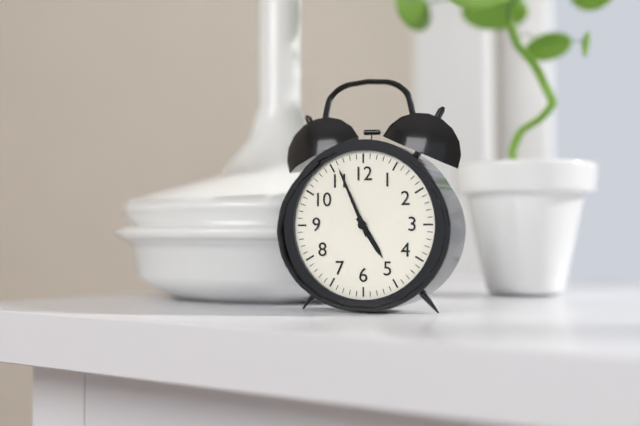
4,56
